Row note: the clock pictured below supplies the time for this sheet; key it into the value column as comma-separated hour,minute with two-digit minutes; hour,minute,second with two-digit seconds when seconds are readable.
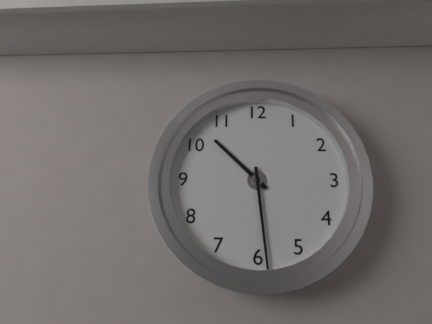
10,29
